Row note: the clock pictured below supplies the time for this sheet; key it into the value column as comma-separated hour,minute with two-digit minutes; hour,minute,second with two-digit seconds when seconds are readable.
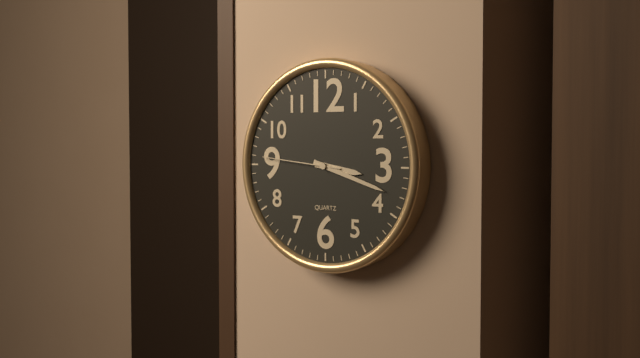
3,18,46
